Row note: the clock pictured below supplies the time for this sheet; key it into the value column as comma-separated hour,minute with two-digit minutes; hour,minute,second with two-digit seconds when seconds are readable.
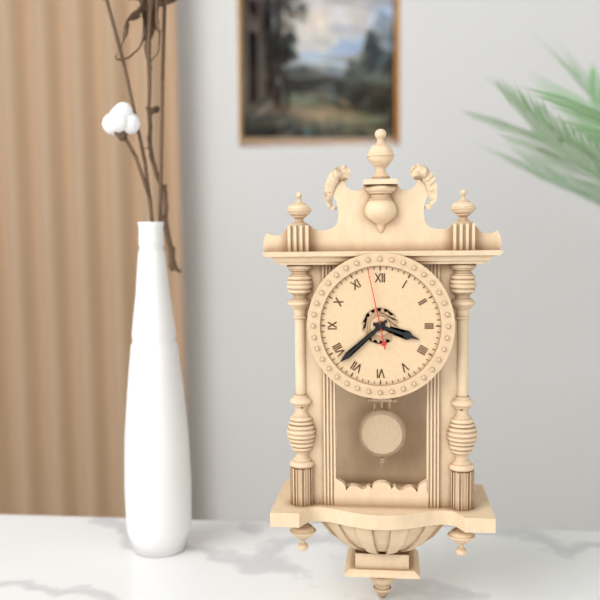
3,38,58
